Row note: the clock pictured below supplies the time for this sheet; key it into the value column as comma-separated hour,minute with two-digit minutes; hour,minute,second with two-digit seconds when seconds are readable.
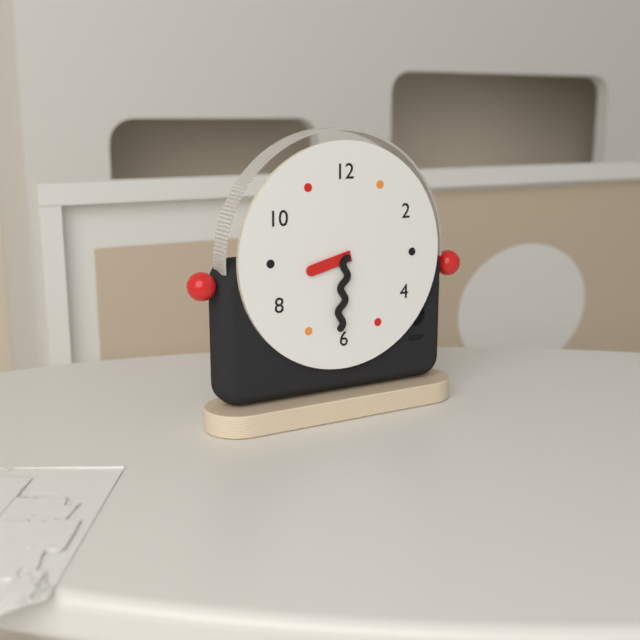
8,31
